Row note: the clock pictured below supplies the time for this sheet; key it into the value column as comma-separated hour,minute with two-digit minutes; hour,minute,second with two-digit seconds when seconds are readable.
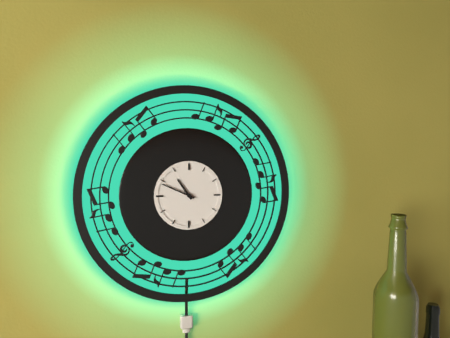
10,49
